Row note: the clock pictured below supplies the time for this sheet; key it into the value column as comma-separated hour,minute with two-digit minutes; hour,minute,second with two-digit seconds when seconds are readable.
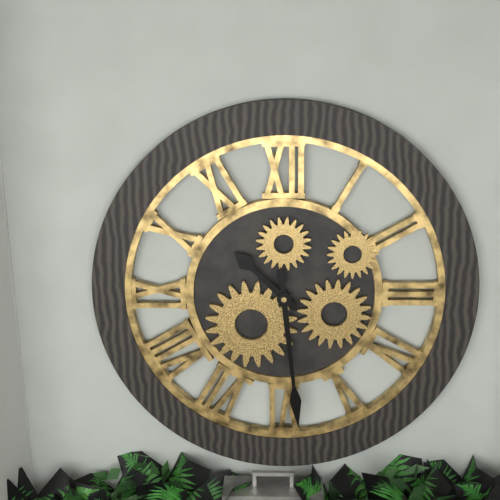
10,29
